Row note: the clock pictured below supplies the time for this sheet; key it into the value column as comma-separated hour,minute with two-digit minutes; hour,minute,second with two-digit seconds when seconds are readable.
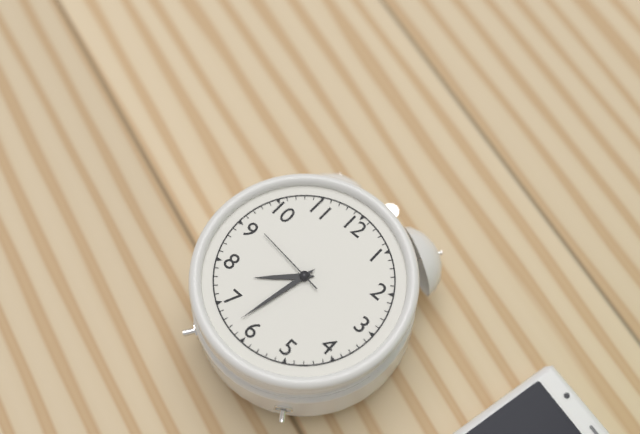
7,32,46
